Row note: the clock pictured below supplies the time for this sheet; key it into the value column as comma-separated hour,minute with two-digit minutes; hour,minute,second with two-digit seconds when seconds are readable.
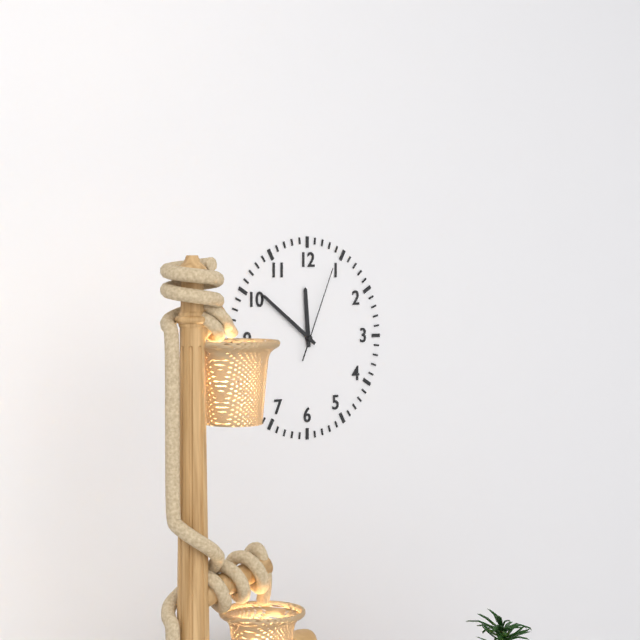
11,51,04
